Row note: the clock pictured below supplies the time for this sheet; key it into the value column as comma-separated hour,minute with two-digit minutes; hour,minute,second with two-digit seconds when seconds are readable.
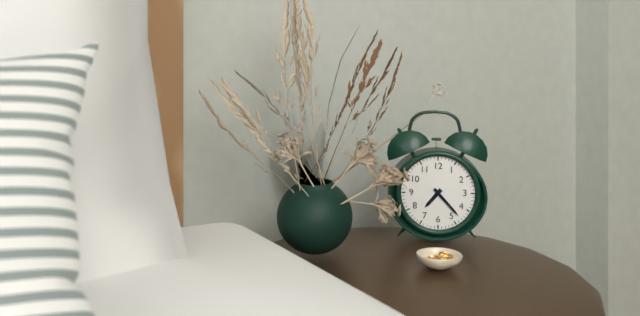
7,23
